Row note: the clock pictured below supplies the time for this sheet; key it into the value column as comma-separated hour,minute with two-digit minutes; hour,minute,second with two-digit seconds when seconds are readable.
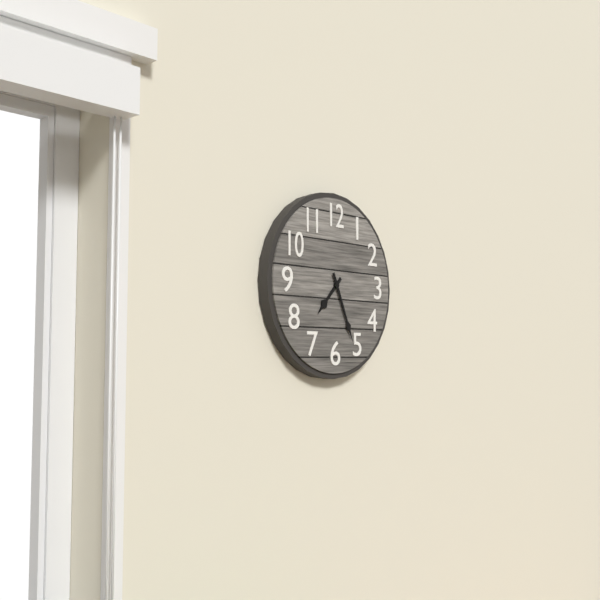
7,26
